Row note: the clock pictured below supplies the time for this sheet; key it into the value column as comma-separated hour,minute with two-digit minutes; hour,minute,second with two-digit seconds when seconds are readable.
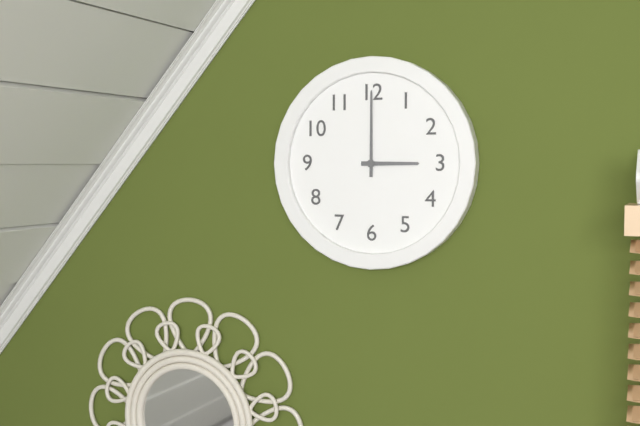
3,00
